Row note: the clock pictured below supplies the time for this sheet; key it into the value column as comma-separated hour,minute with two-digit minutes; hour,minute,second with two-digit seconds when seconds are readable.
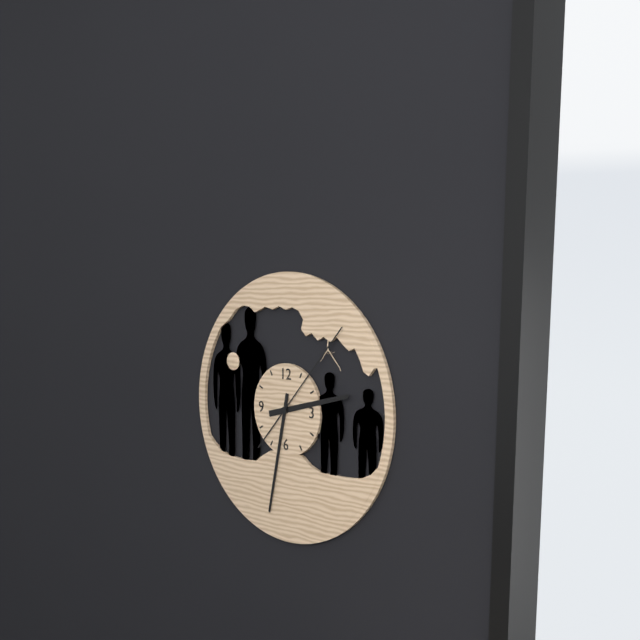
2,32,07
